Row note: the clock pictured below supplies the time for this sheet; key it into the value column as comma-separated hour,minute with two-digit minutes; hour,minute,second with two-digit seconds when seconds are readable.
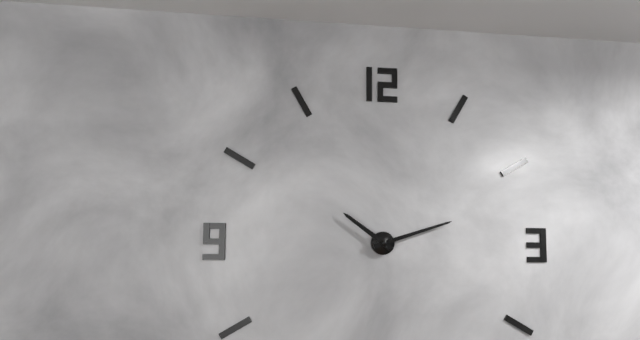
10,12
